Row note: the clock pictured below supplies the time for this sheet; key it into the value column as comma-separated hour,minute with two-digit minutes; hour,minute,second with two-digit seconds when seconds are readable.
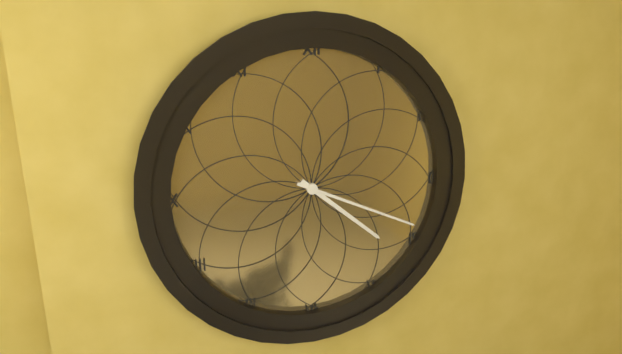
4,19
